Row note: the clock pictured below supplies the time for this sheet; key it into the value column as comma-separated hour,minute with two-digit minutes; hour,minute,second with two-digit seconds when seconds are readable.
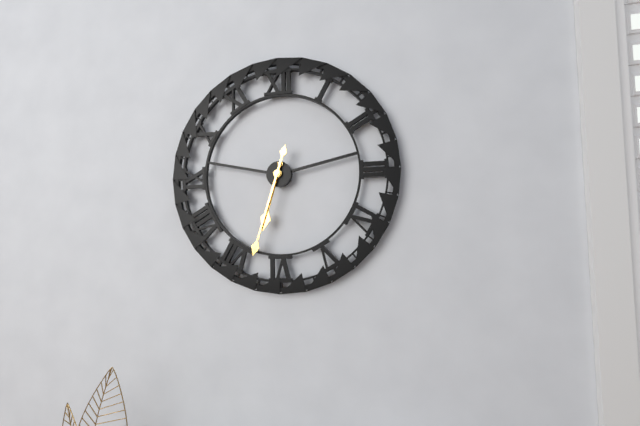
6,33
